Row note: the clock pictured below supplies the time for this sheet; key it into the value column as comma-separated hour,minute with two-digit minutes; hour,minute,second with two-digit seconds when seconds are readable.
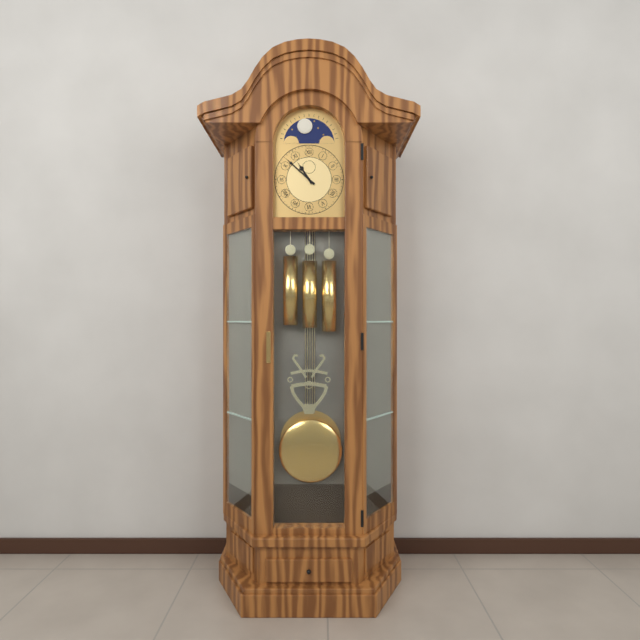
10,52
